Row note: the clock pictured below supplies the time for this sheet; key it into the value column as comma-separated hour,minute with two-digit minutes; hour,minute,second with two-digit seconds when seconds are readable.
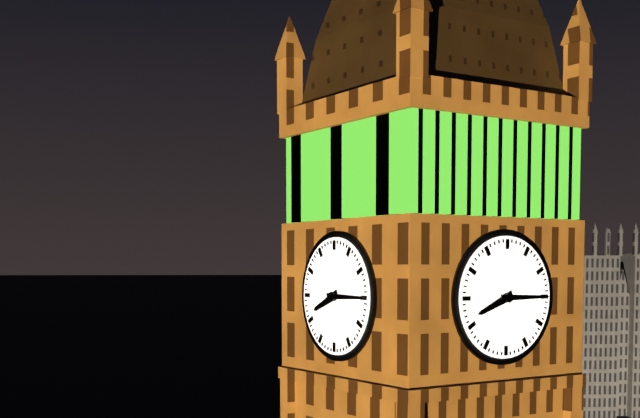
8,15
